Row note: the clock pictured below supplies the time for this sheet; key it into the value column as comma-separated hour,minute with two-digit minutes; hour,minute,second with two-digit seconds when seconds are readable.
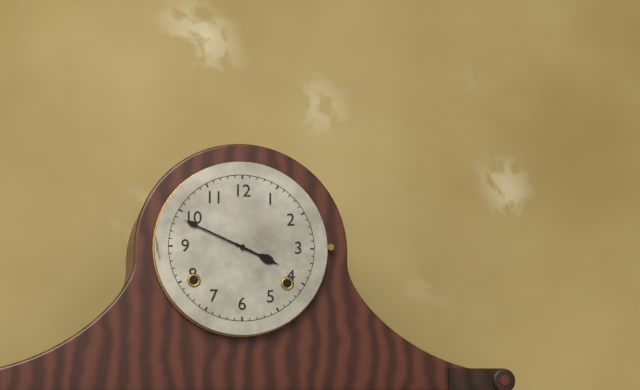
3,49
